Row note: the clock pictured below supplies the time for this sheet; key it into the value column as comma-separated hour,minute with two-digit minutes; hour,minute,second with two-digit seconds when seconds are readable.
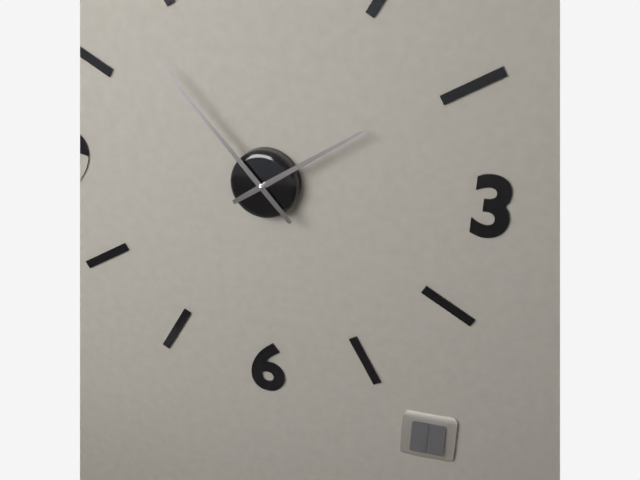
1,53
